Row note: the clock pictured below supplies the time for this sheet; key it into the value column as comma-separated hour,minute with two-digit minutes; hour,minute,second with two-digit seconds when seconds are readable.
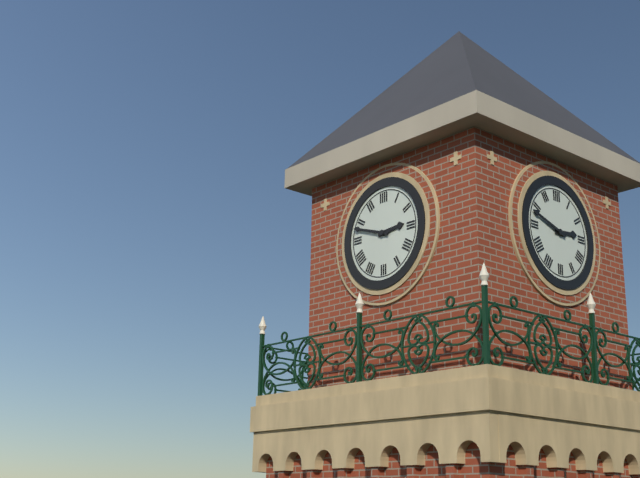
2,48
